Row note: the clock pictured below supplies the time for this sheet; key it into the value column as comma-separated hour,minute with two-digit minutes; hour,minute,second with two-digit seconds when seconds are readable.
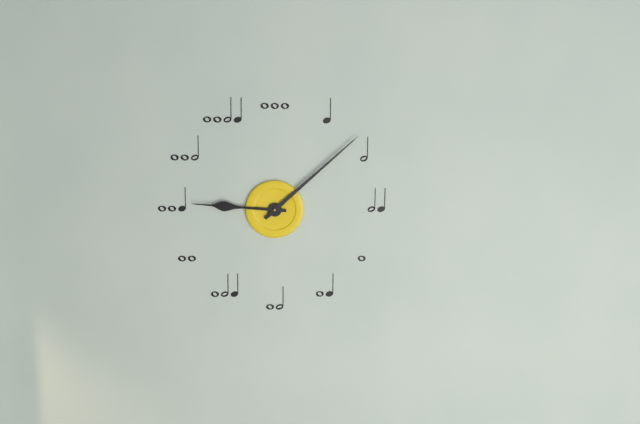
9,08
